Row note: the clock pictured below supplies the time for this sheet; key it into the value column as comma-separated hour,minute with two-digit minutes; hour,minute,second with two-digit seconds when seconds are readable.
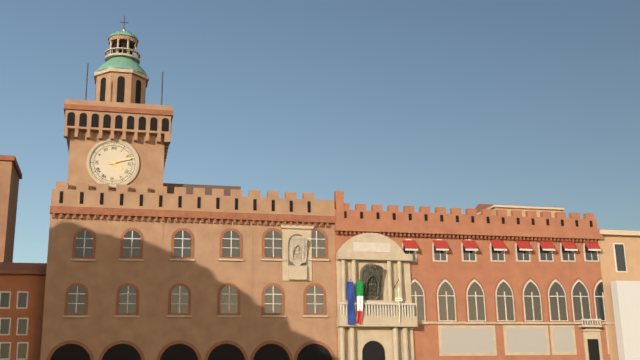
4,12
